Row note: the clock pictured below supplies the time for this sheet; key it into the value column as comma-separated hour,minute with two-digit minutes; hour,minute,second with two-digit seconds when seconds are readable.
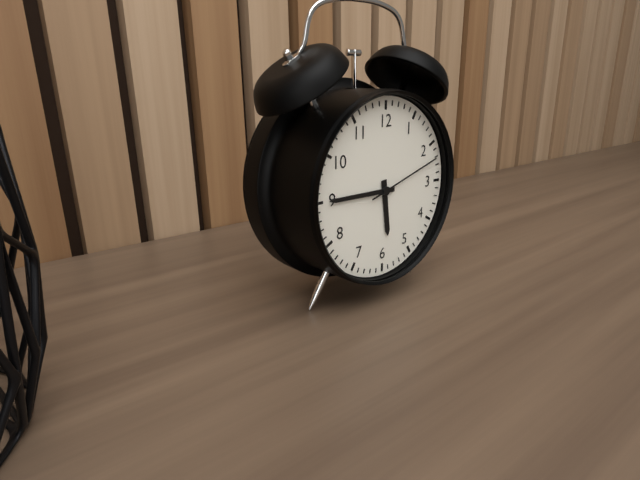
5,45,12
